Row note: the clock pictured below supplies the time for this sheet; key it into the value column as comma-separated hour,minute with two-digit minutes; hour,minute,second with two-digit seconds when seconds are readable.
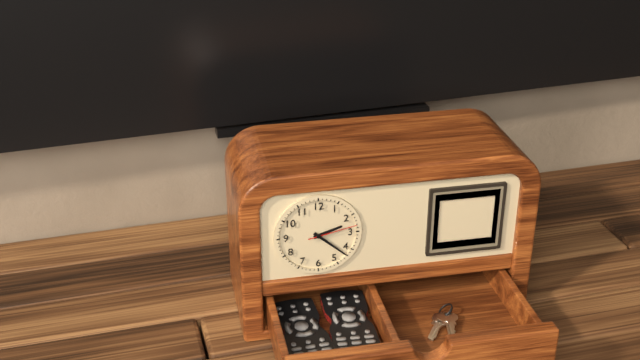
2,22,13
